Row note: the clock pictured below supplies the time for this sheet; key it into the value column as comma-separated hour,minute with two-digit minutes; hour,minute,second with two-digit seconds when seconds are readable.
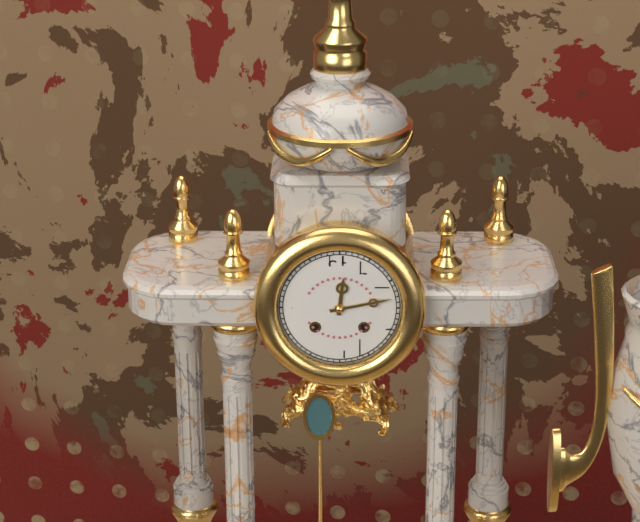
12,13
